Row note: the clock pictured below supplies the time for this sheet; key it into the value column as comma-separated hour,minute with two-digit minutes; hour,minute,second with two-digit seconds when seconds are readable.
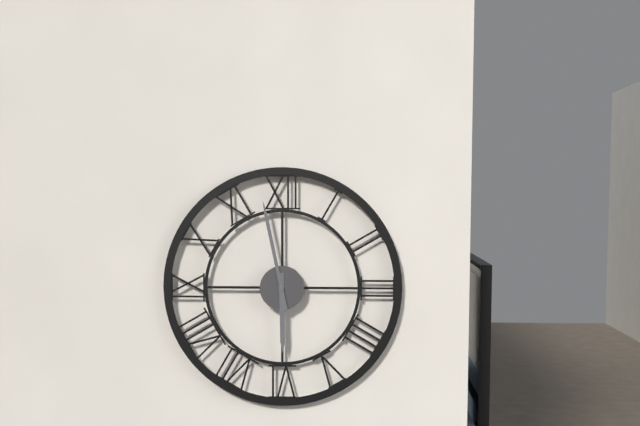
5,58
